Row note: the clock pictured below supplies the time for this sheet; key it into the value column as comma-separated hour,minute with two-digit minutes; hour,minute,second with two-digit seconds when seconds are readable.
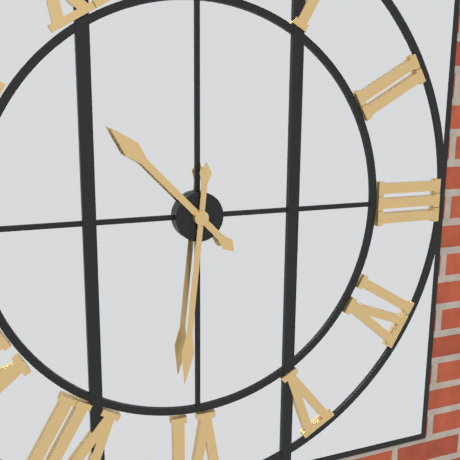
10,31
